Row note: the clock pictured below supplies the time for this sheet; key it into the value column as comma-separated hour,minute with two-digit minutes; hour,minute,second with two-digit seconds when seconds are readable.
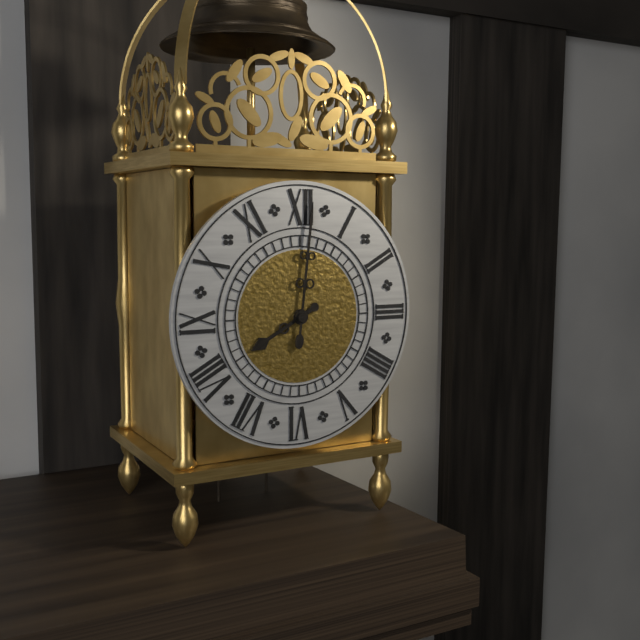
8,01
